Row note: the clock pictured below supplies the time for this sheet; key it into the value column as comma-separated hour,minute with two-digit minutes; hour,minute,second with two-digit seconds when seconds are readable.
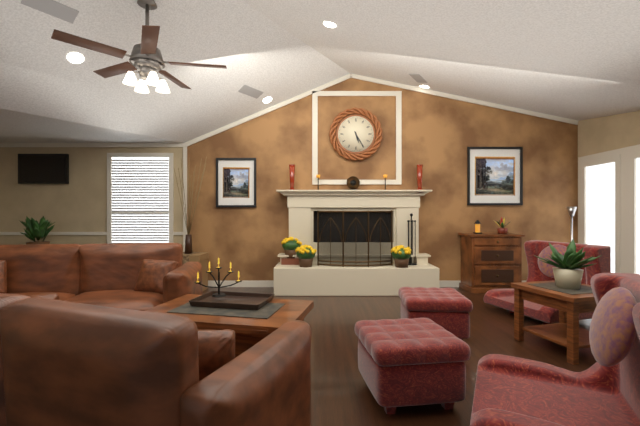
5,25
